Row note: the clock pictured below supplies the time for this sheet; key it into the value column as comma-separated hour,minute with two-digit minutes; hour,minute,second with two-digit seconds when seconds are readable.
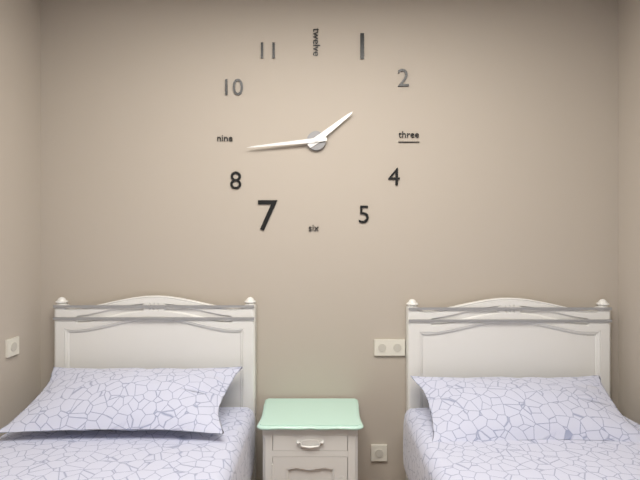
1,44
